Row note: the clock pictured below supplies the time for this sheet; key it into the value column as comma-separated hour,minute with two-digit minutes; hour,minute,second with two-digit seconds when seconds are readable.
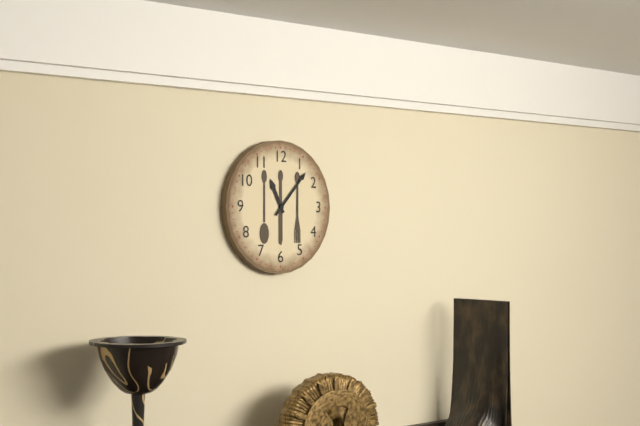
11,07
